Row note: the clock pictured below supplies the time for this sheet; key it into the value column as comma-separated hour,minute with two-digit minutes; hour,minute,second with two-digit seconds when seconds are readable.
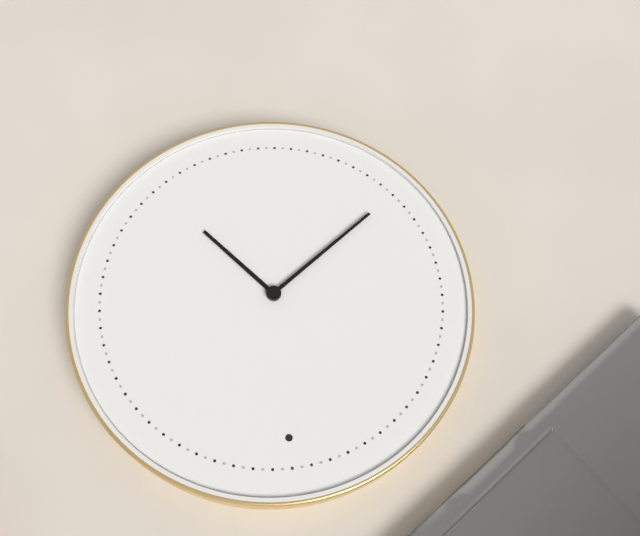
4,39
